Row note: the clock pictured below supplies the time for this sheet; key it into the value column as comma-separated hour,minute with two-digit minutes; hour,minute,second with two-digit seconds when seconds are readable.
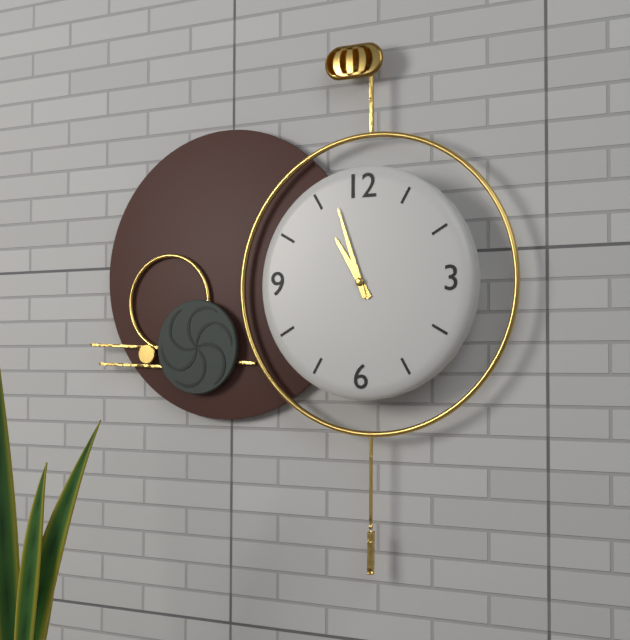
10,57
